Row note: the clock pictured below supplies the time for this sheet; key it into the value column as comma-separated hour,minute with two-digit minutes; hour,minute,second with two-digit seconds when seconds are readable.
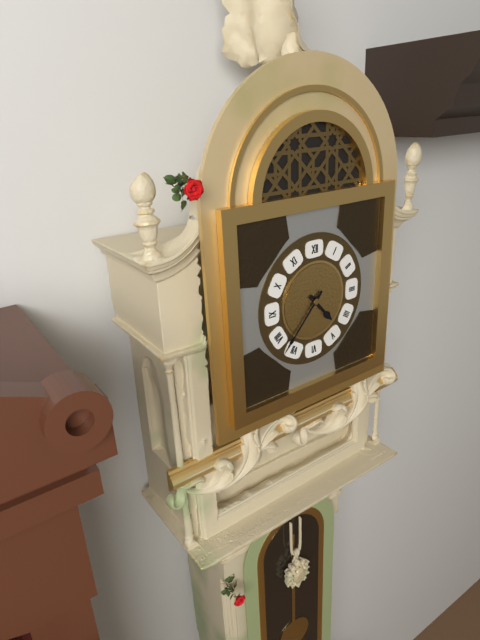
4,37
